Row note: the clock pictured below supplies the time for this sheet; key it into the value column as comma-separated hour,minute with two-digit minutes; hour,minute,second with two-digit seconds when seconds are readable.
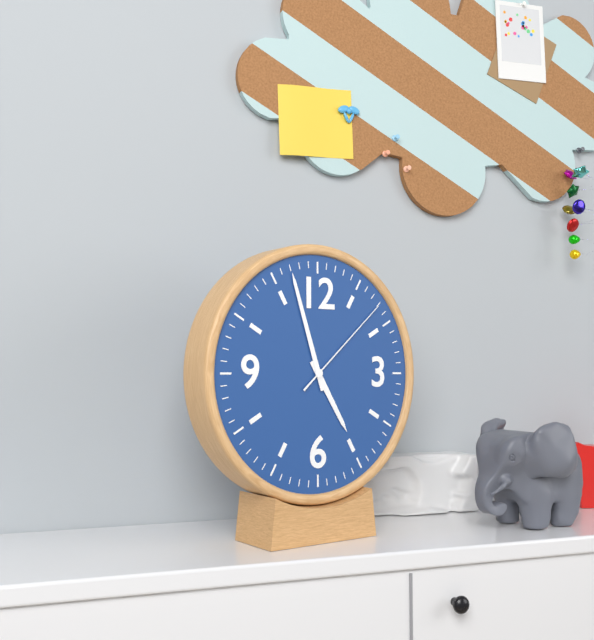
4,57,08
